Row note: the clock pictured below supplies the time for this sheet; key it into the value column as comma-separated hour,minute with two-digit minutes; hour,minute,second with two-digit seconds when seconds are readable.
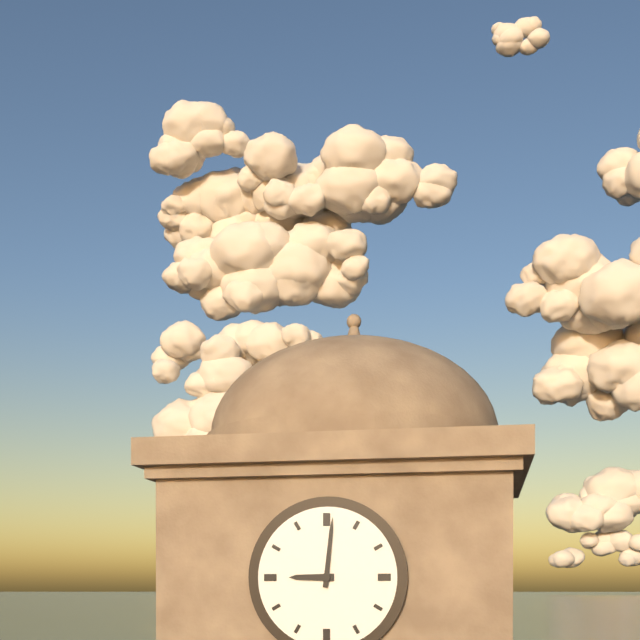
9,01
